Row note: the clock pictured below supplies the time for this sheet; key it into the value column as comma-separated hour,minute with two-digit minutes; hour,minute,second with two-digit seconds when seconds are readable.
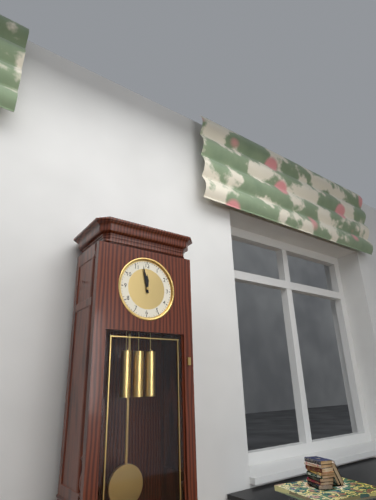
11,58
